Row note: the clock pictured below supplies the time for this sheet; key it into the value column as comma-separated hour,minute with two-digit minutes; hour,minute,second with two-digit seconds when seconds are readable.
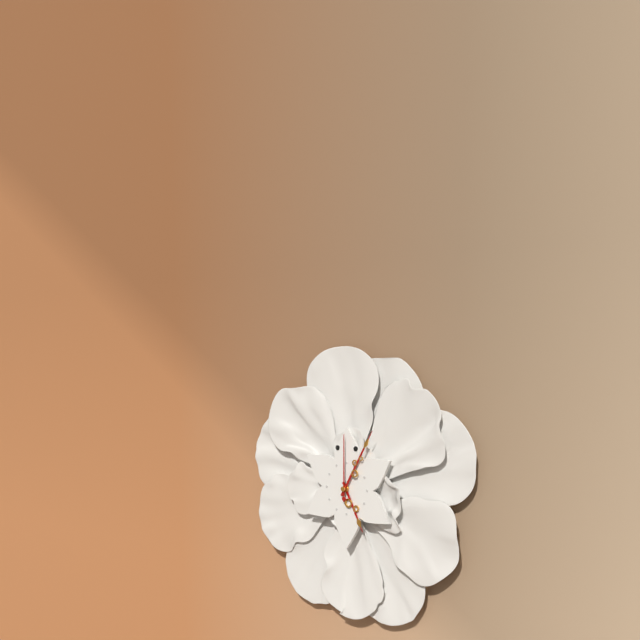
5,05,00
